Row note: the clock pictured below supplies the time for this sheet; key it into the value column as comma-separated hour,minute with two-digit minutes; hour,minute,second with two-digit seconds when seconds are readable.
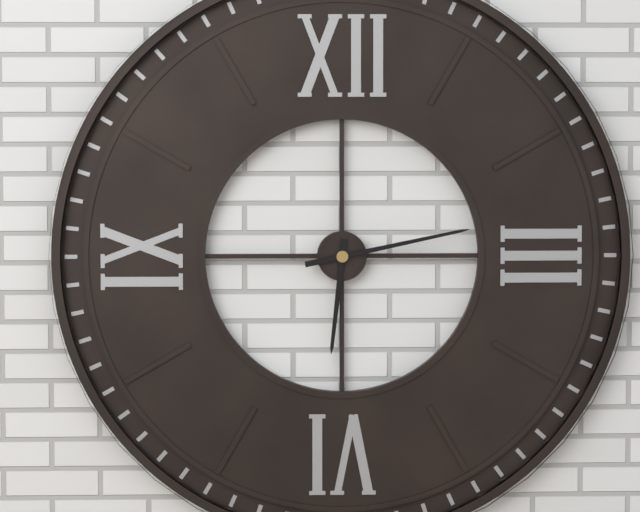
6,13
